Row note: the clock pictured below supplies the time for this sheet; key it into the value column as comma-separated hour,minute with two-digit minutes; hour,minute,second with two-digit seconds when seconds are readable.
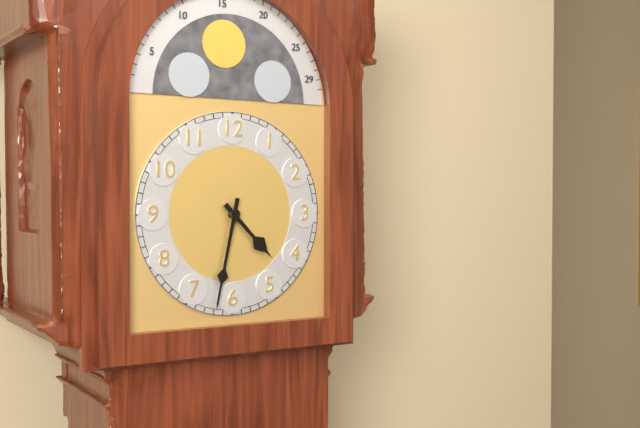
4,32
